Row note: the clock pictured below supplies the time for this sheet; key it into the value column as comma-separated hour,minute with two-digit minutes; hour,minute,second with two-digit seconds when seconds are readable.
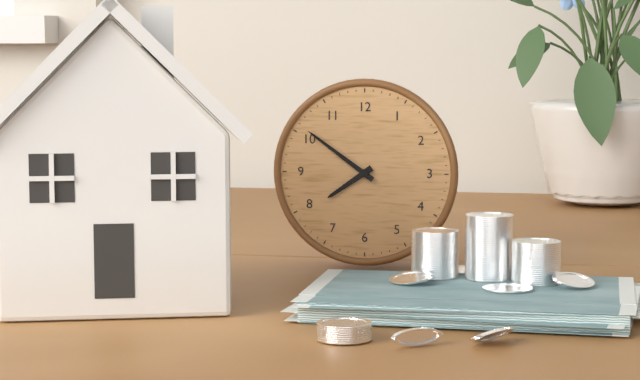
7,51
